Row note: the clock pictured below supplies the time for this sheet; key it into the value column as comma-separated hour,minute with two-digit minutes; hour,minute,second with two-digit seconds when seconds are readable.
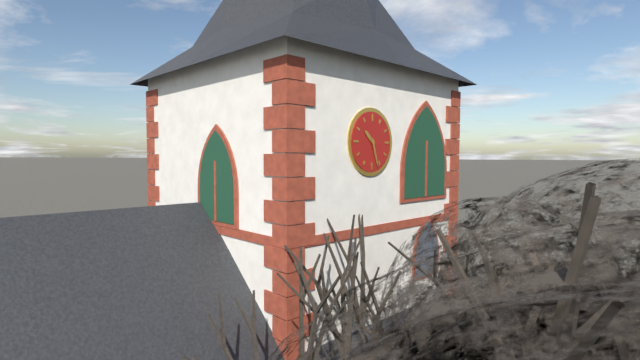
10,27
